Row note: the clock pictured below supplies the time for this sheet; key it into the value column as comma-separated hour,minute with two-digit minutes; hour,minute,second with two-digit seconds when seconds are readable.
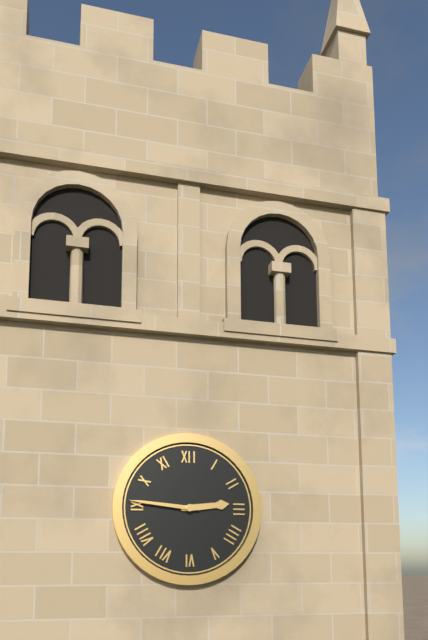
2,46
